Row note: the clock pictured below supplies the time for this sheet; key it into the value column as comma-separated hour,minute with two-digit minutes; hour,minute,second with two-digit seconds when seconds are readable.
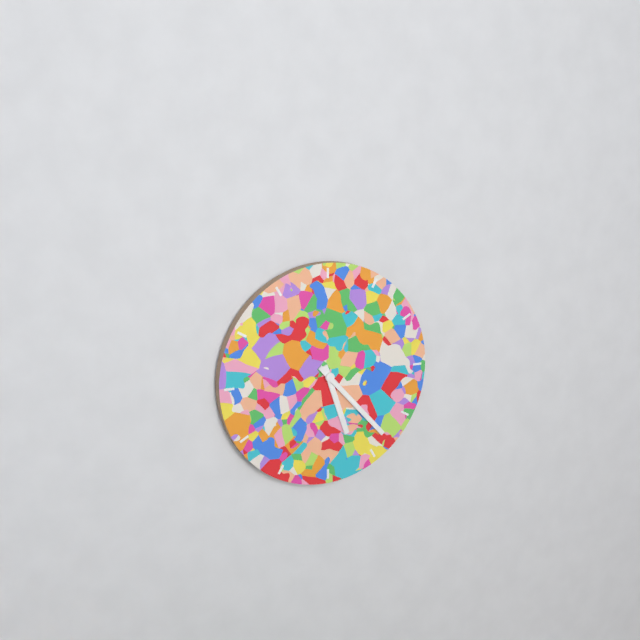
5,23
